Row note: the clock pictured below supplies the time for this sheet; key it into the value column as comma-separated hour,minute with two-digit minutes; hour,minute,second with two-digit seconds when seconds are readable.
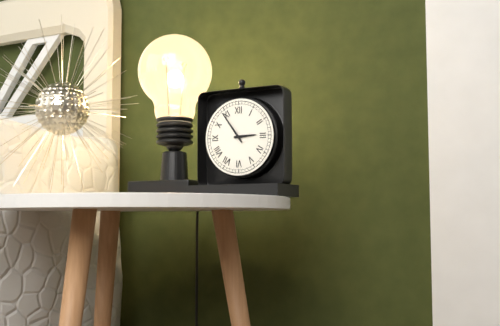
2,54
